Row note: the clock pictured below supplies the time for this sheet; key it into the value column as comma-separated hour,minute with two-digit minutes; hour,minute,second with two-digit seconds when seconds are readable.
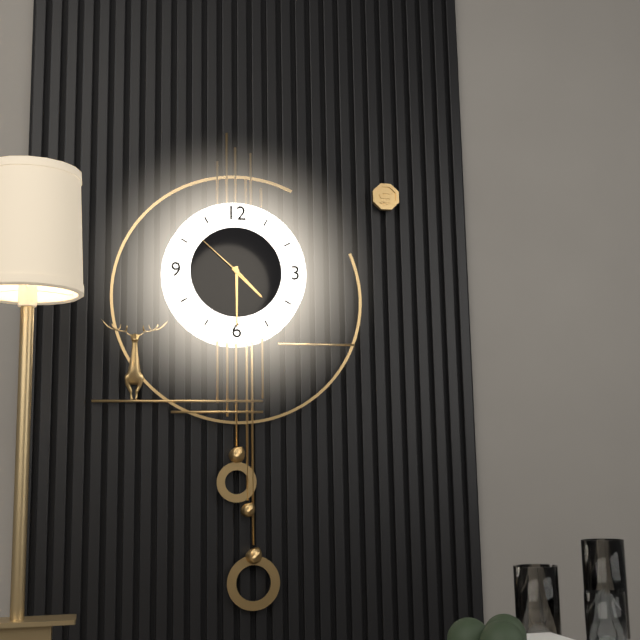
4,30,52
